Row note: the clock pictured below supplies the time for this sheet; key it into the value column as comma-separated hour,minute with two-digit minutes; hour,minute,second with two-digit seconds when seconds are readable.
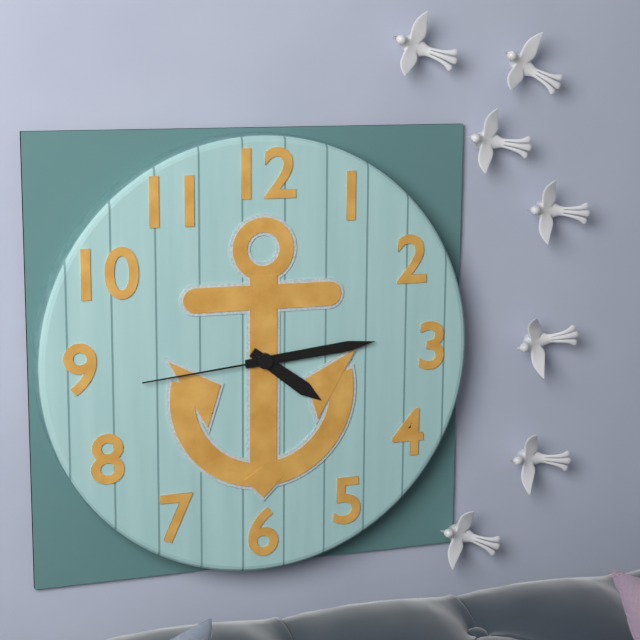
4,14,44
